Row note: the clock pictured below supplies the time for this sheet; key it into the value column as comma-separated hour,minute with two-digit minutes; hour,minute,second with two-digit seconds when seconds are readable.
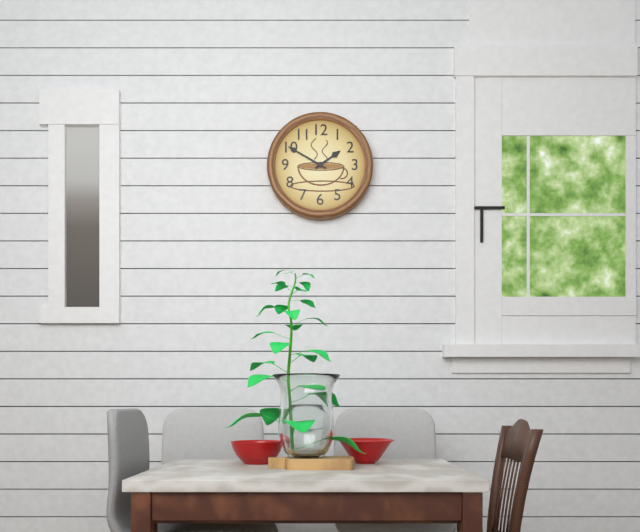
1,50
